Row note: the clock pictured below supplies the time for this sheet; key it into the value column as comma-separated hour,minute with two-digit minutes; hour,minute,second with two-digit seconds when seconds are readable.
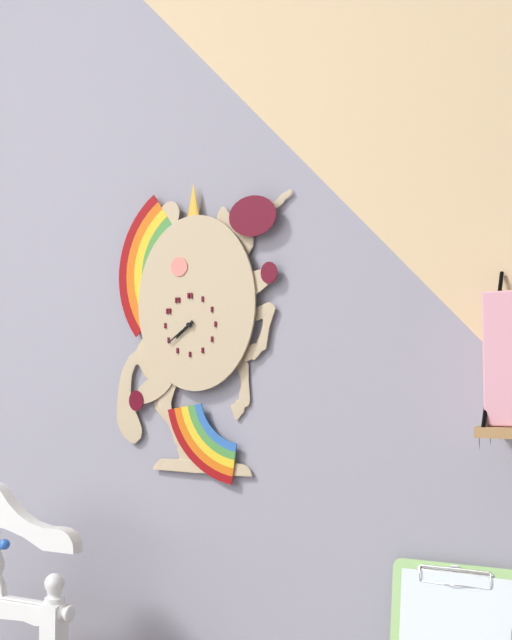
7,39
